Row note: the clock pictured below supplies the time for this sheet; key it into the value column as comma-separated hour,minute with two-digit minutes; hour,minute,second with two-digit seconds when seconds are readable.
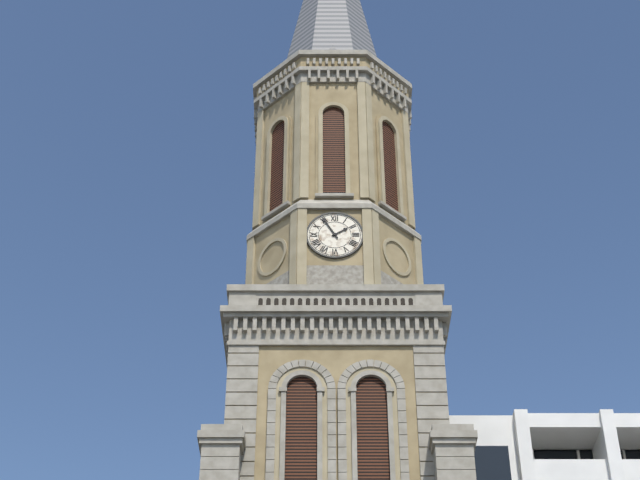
1,55
